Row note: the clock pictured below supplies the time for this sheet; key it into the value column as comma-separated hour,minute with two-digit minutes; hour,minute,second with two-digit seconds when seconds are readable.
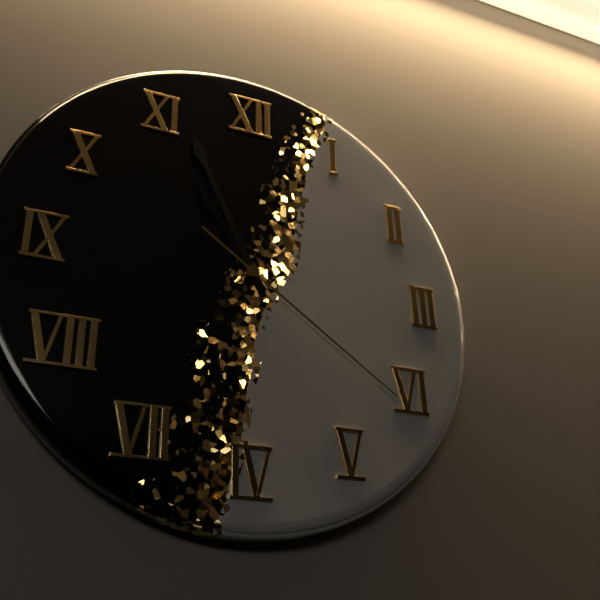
10,56,21
